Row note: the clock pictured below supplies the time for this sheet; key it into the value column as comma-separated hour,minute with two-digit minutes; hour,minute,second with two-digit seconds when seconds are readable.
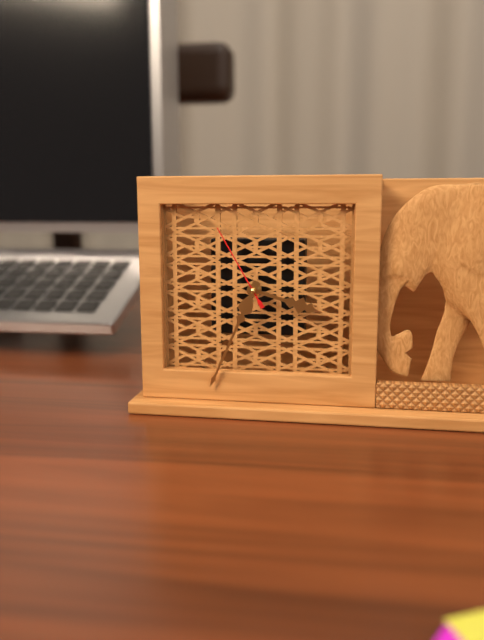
3,34,55
